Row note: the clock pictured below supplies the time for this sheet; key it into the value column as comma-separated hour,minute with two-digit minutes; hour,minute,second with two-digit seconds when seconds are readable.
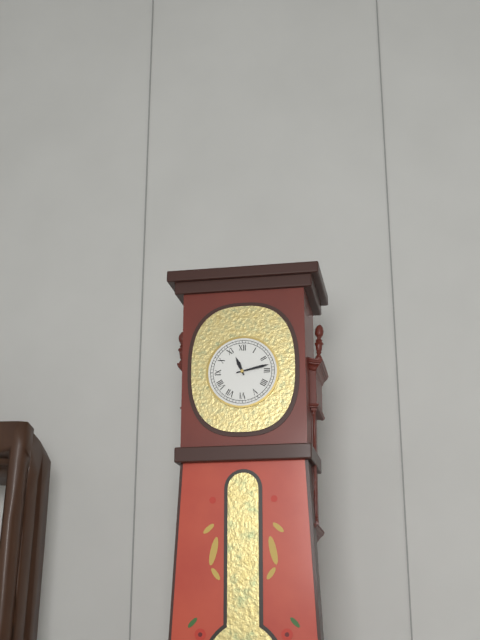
11,13
